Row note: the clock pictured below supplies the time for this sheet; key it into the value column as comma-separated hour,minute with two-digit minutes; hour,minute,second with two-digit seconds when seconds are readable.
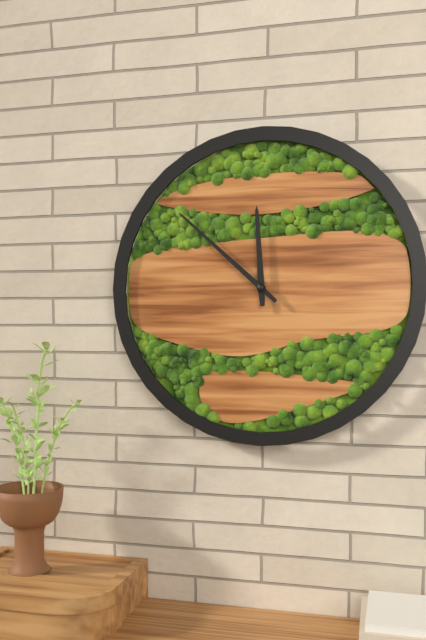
11,52
